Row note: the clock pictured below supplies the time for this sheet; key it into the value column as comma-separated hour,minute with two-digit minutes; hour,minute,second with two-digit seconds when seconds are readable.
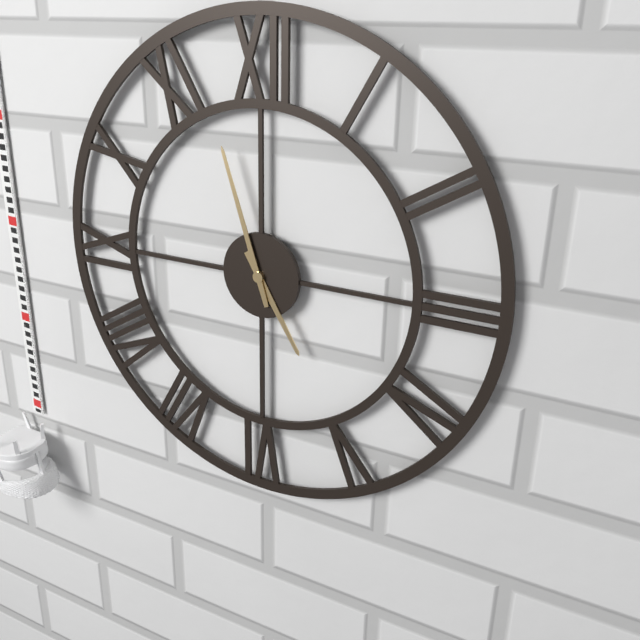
4,57
